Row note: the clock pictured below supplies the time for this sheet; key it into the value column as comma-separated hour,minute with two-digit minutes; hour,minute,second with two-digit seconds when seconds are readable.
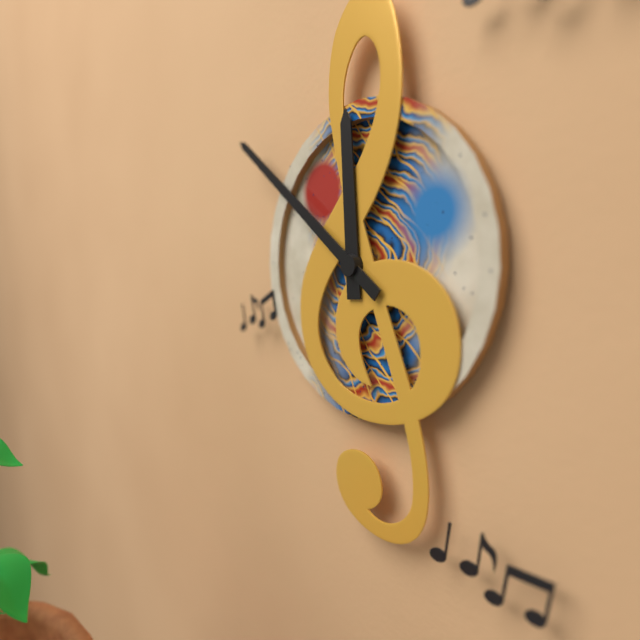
11,51
